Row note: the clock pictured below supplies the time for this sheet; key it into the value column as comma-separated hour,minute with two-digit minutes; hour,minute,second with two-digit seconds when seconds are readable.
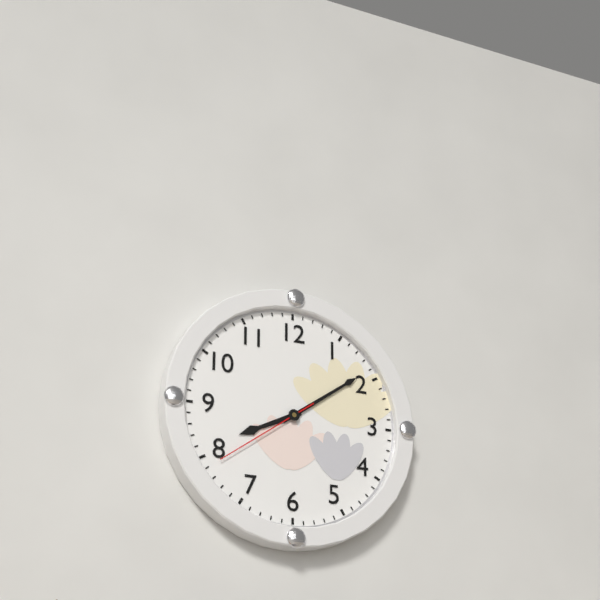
8,09,39
